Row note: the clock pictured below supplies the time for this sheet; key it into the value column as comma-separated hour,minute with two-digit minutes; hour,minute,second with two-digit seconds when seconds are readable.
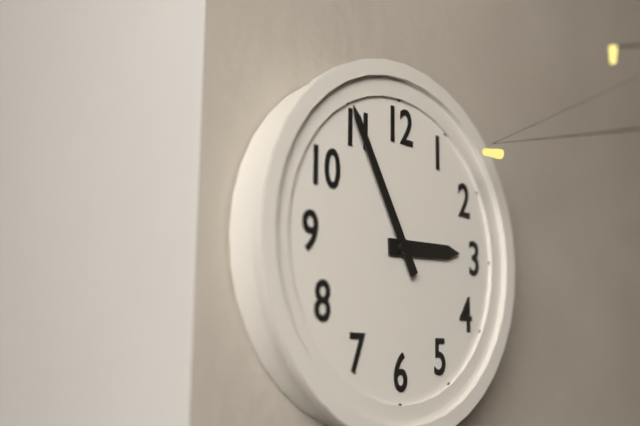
2,55
